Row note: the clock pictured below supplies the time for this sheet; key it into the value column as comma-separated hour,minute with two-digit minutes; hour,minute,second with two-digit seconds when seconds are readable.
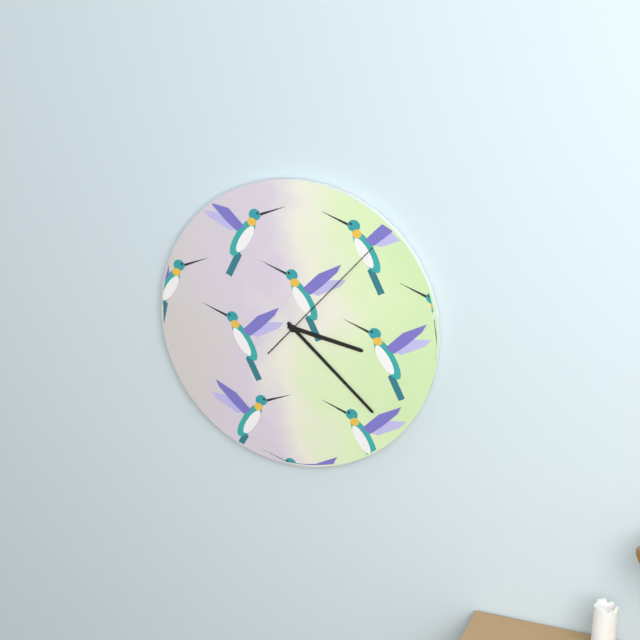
3,22,07
